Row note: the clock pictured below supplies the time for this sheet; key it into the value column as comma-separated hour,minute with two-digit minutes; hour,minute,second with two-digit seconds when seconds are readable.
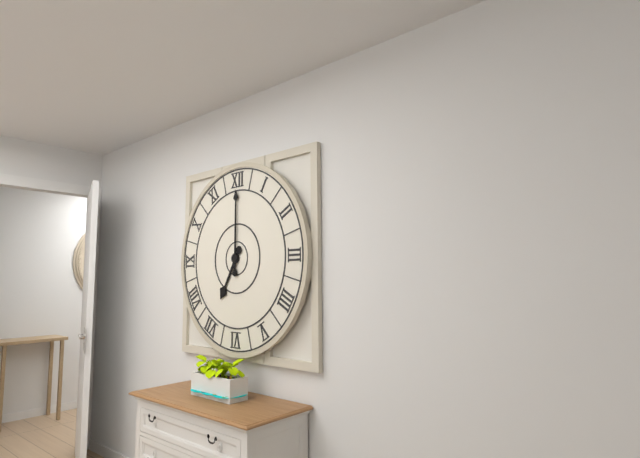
7,00
